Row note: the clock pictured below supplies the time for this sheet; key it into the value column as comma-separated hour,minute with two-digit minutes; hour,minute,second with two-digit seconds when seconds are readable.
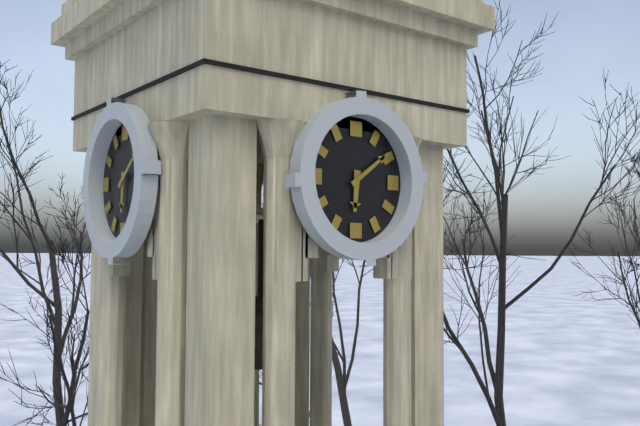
6,09
